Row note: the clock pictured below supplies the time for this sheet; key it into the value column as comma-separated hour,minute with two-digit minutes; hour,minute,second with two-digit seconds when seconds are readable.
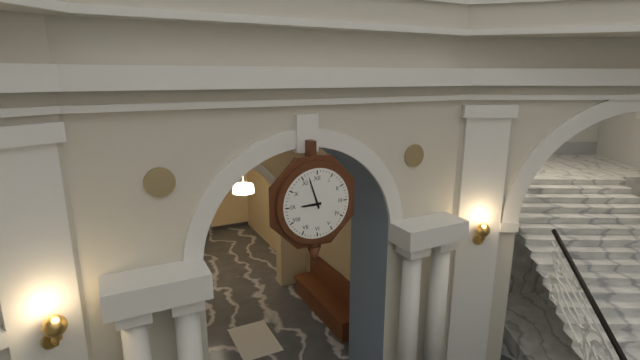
8,57
